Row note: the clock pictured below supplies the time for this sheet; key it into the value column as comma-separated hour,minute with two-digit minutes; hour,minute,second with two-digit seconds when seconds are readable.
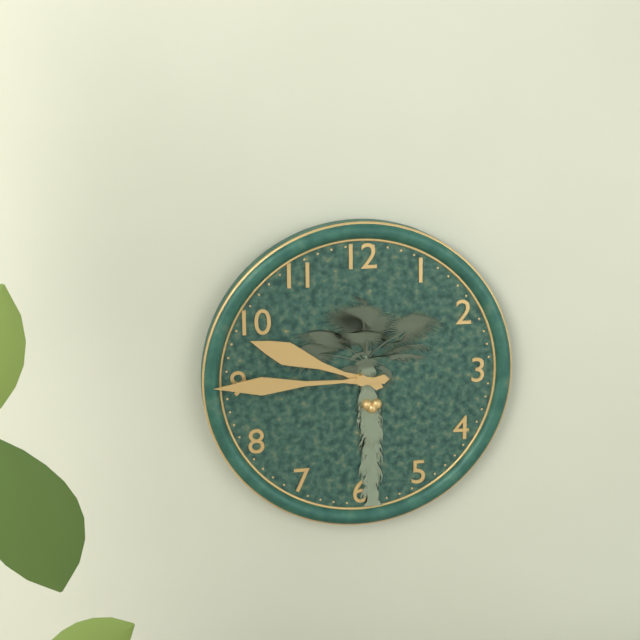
9,45
